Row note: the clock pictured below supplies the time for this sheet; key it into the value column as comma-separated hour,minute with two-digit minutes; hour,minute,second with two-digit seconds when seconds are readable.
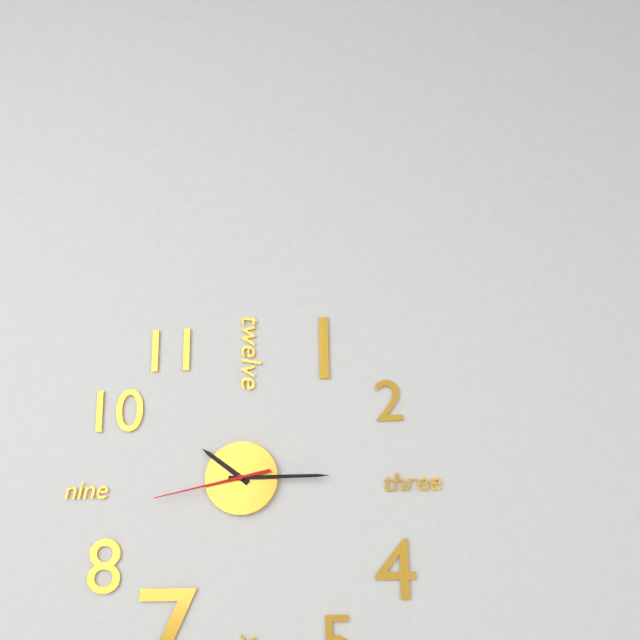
10,15,43
